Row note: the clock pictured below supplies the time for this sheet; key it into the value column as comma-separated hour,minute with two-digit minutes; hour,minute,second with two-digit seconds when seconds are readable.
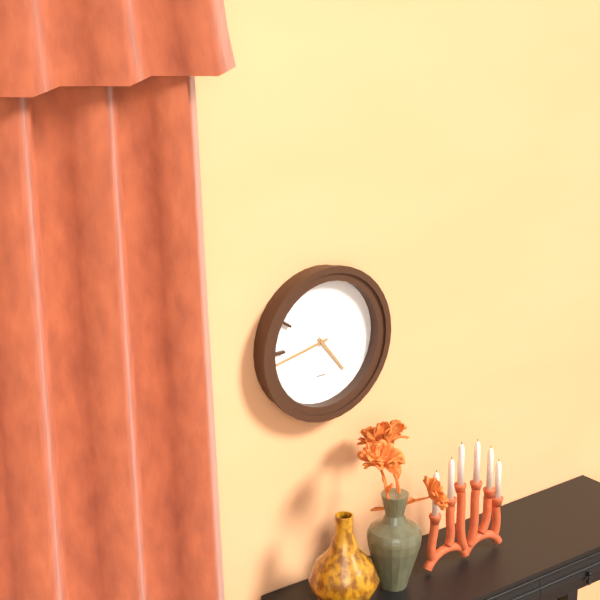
4,43
